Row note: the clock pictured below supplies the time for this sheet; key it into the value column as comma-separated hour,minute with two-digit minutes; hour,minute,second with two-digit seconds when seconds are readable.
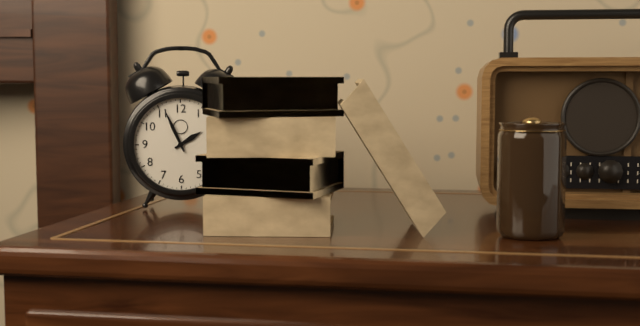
1,56
